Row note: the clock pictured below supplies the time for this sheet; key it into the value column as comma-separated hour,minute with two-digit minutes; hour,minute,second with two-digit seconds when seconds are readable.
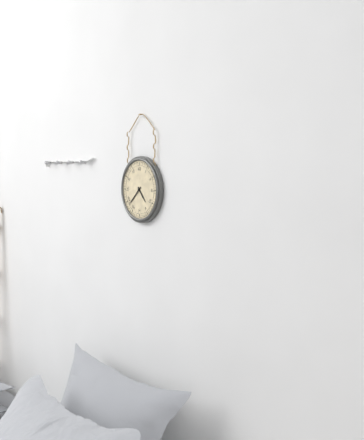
4,38
